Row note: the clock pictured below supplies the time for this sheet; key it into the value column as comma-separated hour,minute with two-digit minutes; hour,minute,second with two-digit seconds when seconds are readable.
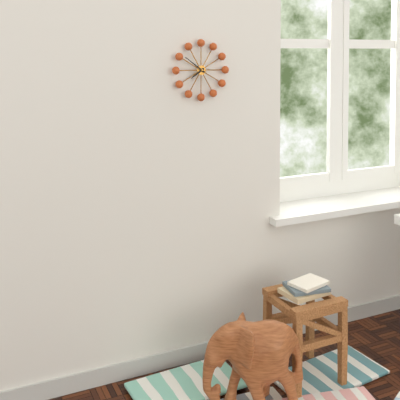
7,51
